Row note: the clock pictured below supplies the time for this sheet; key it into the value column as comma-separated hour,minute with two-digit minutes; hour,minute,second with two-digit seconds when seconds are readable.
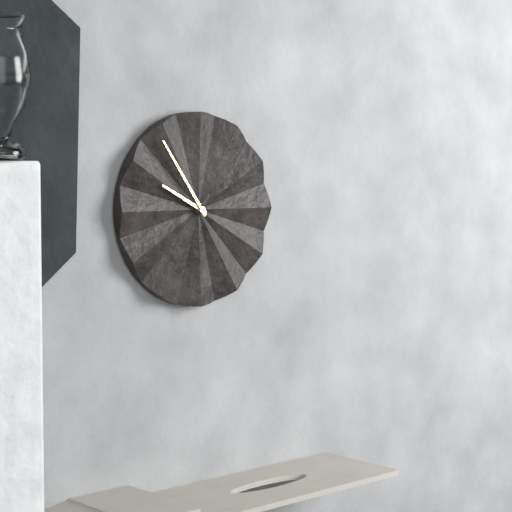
9,54
